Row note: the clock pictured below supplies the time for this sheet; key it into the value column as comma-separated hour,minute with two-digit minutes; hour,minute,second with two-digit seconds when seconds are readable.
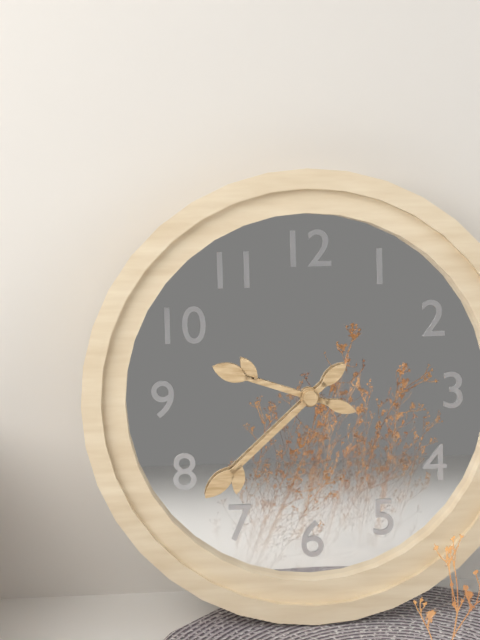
9,38
